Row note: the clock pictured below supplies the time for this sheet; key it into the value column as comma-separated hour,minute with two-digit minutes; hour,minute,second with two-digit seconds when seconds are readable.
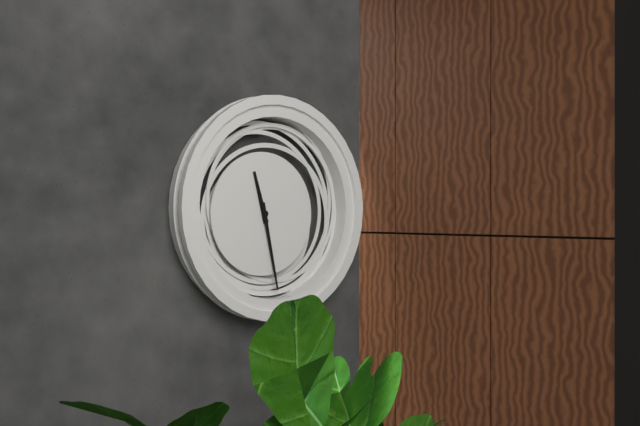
11,28
